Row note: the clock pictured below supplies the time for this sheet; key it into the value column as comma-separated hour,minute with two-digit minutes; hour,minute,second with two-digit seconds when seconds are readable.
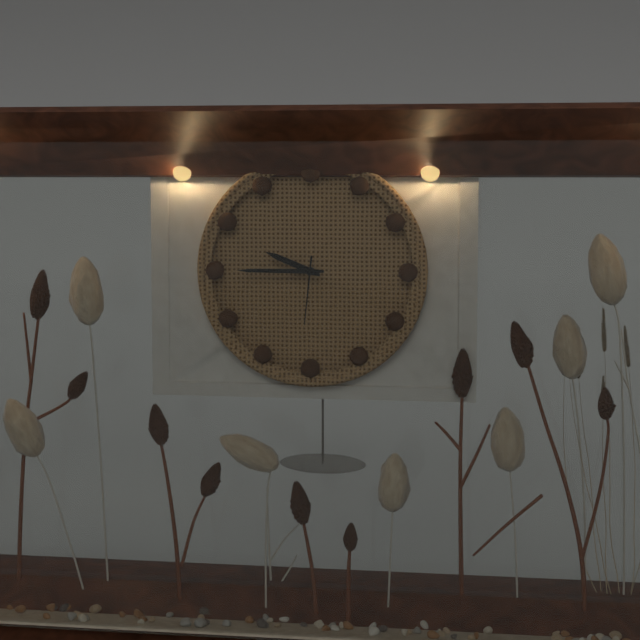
9,45,31
